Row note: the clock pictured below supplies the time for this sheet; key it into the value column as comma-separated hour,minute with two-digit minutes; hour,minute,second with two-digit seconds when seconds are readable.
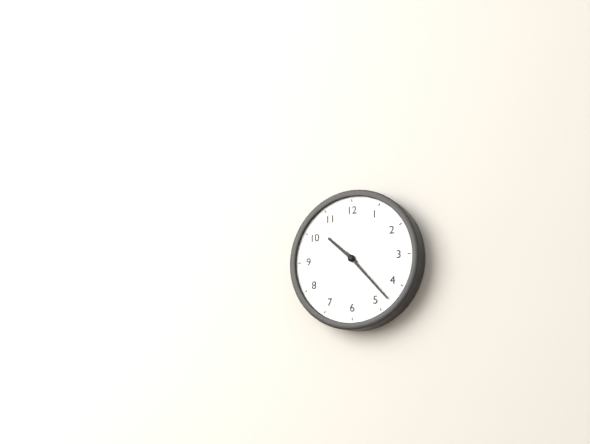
10,23
